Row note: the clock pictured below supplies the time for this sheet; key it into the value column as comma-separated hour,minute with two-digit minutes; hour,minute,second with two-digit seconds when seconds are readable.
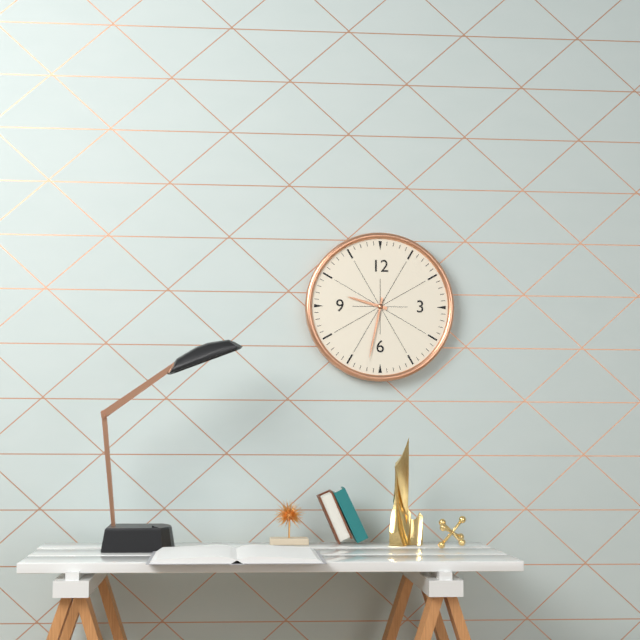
9,32
